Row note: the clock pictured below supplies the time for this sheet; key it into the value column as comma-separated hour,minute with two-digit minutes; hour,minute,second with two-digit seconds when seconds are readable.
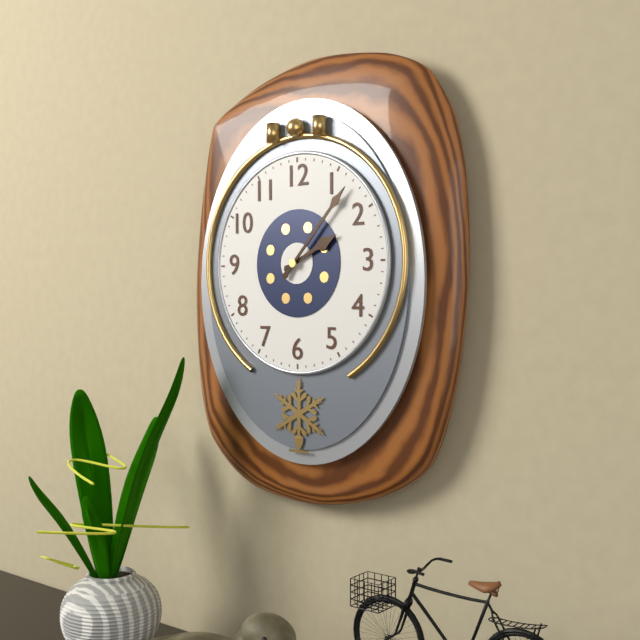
2,07
